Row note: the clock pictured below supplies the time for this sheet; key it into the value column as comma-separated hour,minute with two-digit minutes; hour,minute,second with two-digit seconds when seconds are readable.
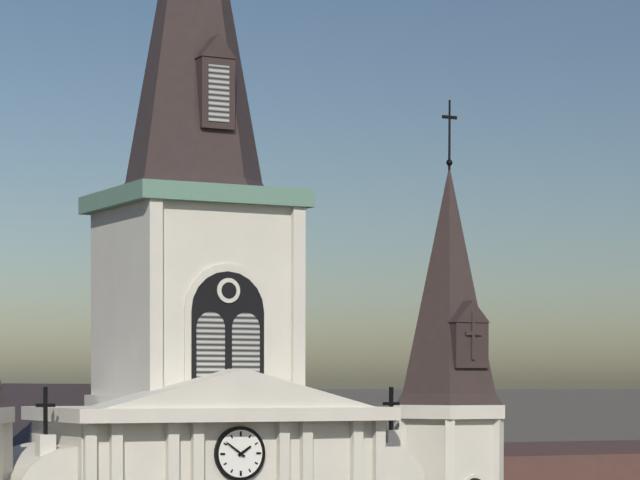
1,51
